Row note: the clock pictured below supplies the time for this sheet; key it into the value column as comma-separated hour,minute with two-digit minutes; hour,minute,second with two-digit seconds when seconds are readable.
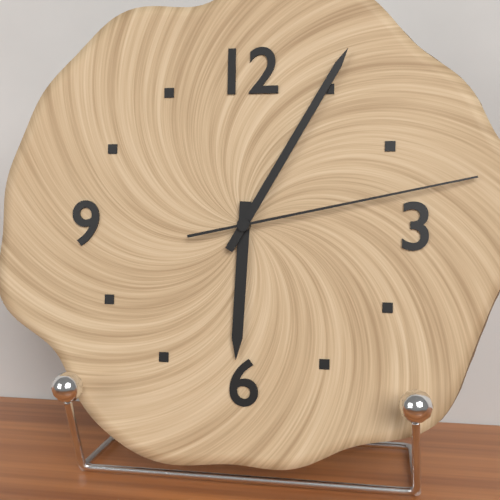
6,05,13
